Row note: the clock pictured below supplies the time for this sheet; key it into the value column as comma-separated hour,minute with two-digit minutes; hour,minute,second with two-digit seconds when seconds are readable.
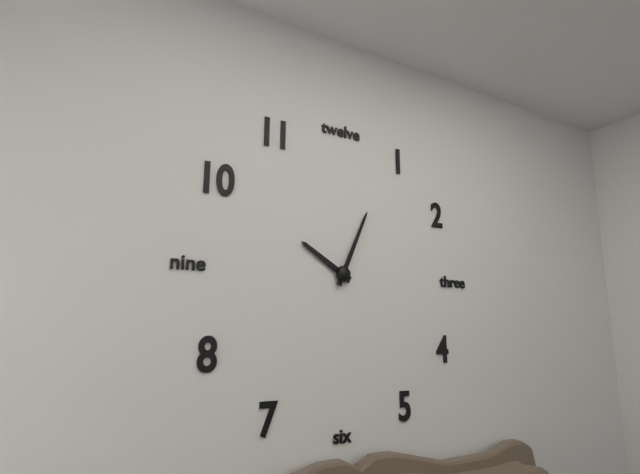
10,04
